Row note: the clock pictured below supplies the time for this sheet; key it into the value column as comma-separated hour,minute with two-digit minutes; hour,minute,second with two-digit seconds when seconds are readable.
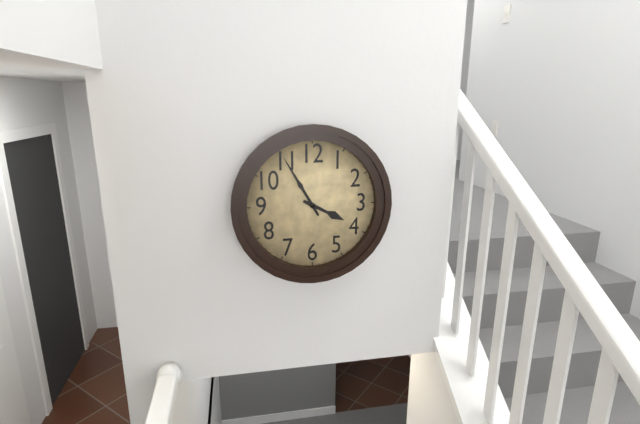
3,55
